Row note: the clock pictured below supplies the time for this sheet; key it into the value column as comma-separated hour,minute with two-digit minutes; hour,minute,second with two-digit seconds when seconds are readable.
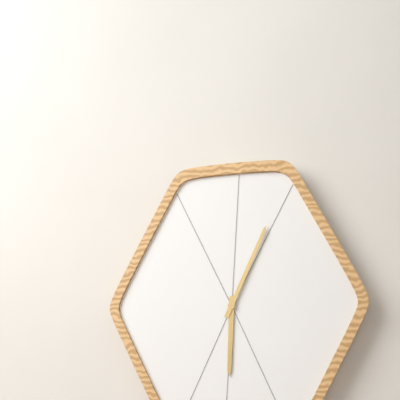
6,04
